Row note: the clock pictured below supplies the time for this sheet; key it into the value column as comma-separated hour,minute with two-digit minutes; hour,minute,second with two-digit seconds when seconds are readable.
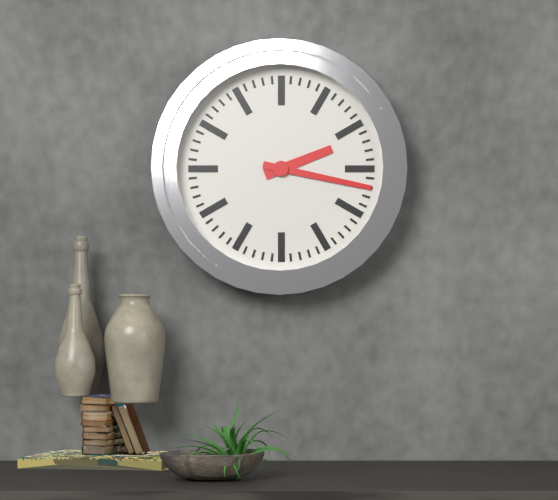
2,17
